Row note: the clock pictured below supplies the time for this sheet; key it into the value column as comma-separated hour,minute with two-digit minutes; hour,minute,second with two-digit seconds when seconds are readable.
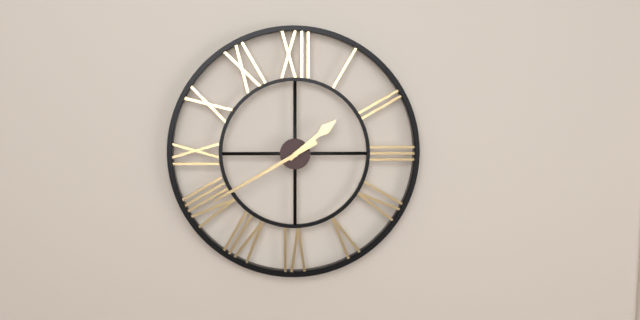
1,40
